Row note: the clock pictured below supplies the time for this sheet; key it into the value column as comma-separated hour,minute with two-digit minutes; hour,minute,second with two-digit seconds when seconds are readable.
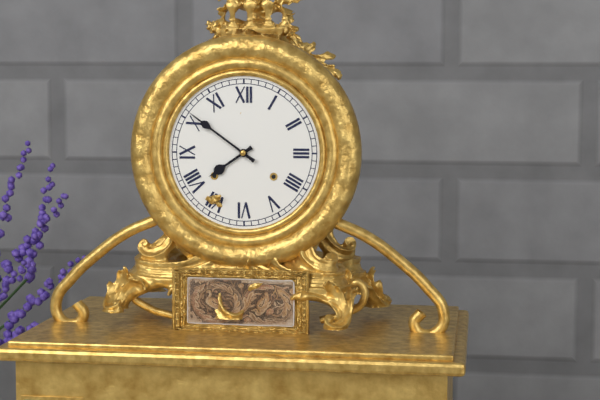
7,51
